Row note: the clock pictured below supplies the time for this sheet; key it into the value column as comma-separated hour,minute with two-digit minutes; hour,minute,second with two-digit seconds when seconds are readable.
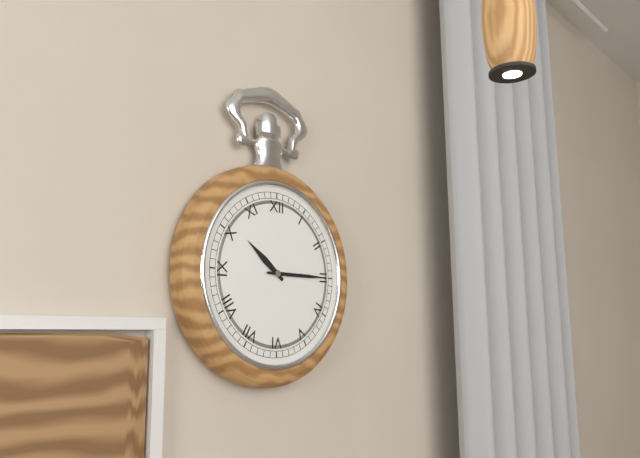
10,15
